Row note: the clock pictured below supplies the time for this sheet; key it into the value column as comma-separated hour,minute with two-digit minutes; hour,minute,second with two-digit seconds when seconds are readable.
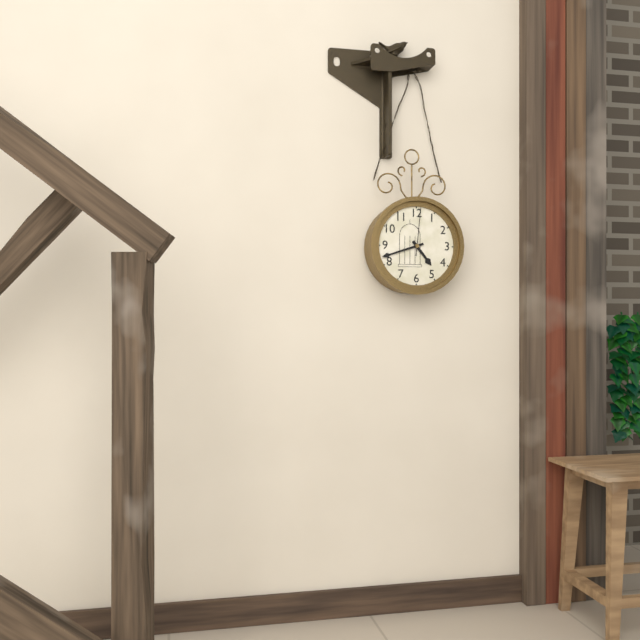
4,42,01
